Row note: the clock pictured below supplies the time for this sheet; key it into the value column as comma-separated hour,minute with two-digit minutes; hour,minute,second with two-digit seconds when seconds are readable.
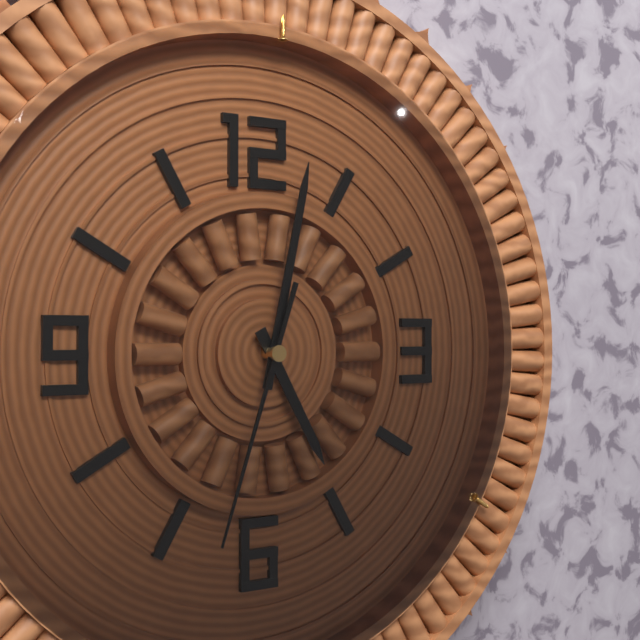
5,02,33
